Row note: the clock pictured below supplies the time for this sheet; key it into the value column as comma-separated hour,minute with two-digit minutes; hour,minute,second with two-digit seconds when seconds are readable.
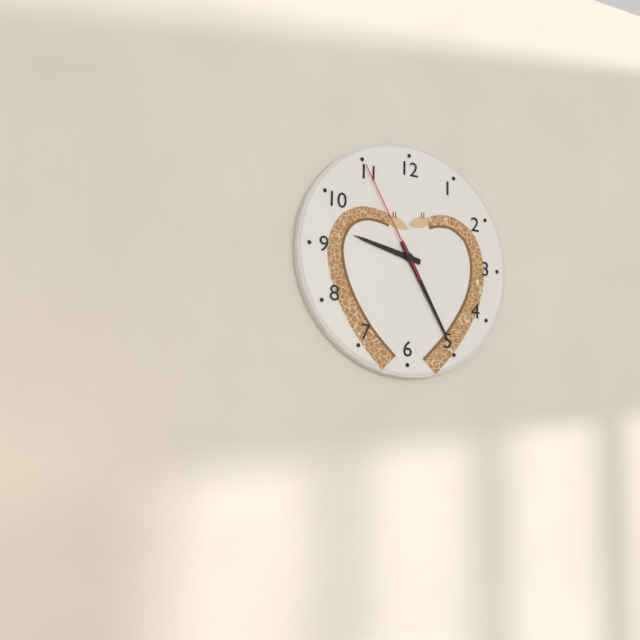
9,25,55
